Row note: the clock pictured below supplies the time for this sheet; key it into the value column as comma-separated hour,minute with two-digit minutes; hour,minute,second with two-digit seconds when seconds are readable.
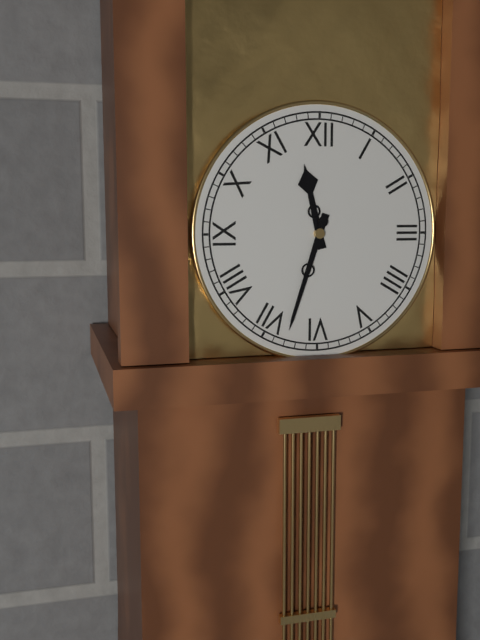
11,33
